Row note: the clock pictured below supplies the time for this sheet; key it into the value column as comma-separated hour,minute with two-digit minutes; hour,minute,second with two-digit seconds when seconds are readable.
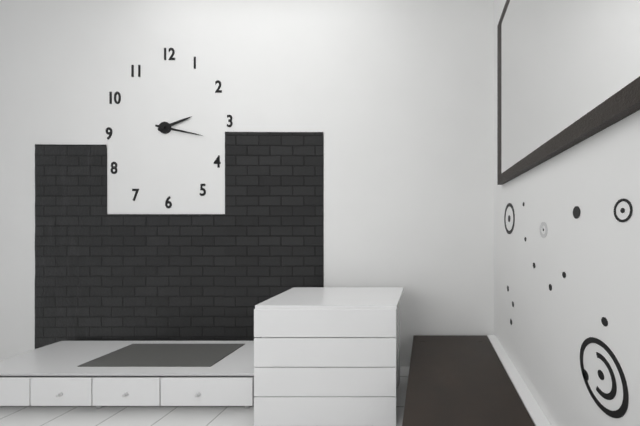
2,17
